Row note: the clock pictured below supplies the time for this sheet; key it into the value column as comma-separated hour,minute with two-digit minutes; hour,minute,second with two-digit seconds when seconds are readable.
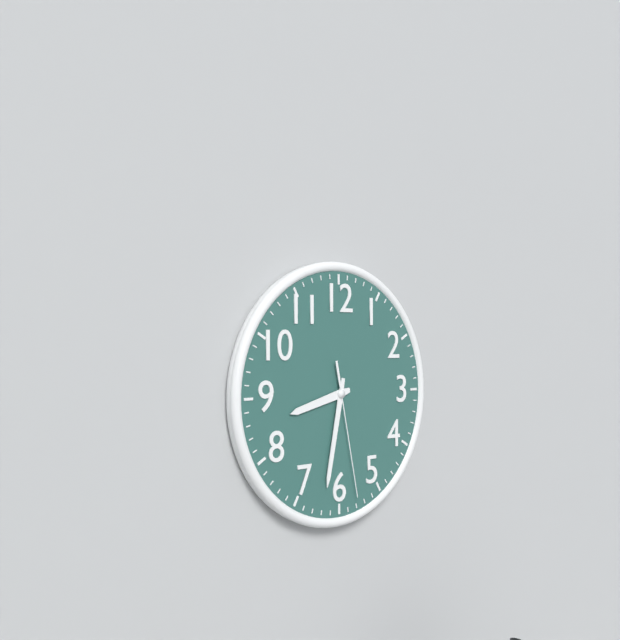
8,32,28
